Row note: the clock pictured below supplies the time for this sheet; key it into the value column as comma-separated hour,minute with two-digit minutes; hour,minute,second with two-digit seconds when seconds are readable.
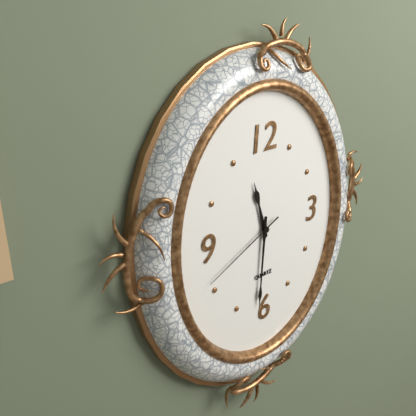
11,31,41
